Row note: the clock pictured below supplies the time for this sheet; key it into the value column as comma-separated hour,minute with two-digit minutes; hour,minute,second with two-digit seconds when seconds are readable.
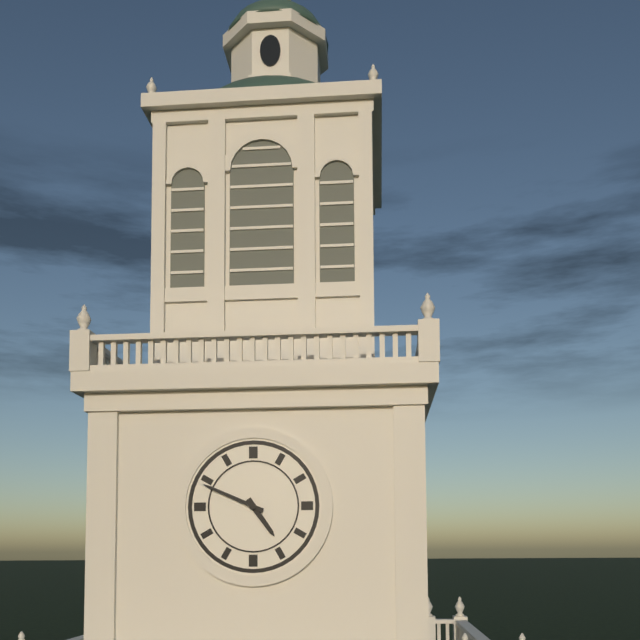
4,49
